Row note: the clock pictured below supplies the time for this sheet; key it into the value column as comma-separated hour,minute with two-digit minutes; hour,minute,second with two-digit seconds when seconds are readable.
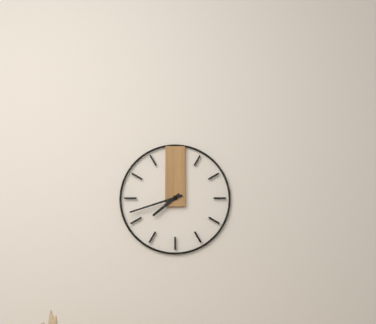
7,42
